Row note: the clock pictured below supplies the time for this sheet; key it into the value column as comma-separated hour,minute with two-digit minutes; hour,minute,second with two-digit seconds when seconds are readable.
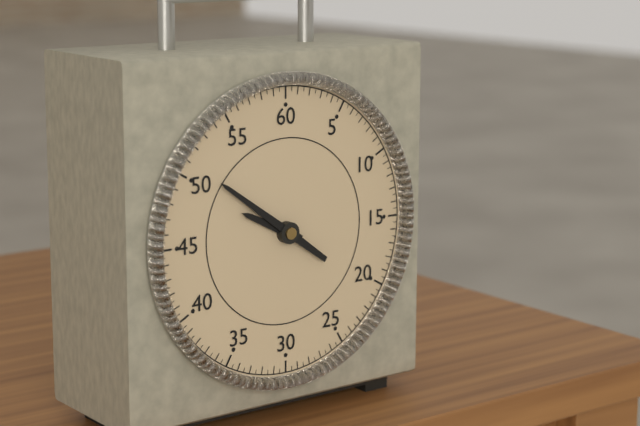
9,51
